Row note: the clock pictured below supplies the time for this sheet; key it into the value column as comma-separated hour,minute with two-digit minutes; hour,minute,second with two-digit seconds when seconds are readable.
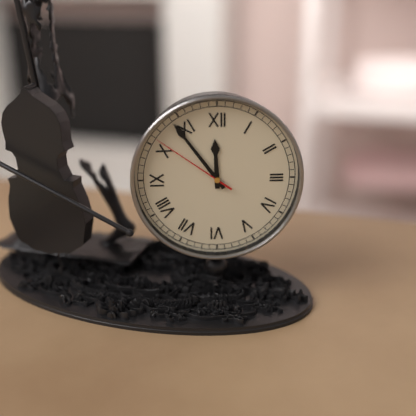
11,54,51
